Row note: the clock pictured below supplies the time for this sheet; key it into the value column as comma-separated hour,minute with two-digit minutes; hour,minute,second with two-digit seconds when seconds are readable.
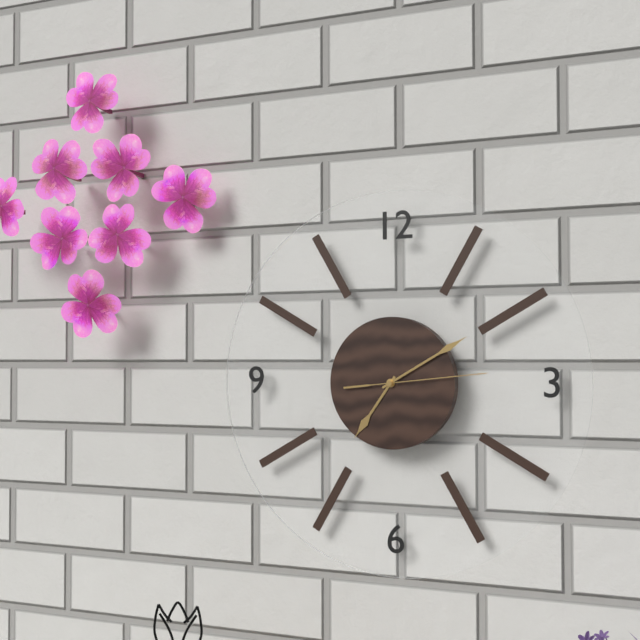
7,10,14
